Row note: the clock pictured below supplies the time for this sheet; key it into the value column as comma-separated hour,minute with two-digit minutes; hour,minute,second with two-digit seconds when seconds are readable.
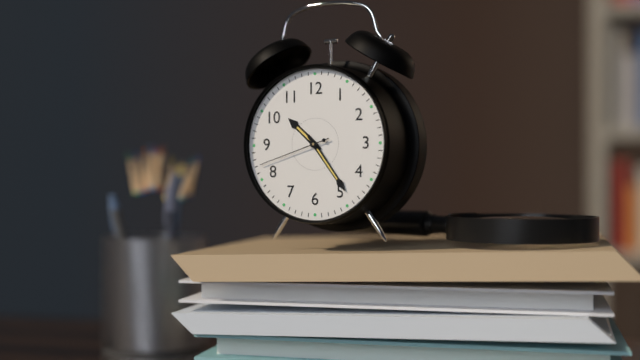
10,24,42
